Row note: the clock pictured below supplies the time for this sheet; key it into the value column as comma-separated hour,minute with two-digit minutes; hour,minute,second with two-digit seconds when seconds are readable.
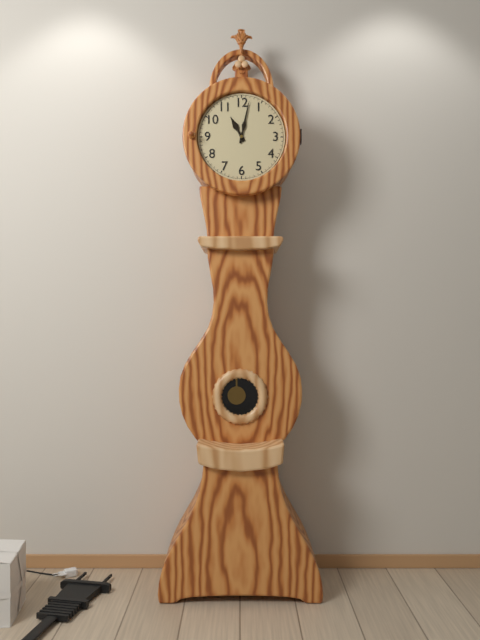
11,02
